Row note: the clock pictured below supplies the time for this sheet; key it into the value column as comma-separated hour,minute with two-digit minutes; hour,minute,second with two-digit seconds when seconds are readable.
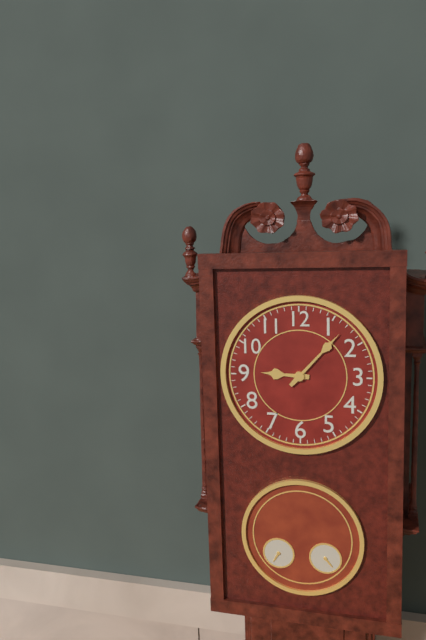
9,07
